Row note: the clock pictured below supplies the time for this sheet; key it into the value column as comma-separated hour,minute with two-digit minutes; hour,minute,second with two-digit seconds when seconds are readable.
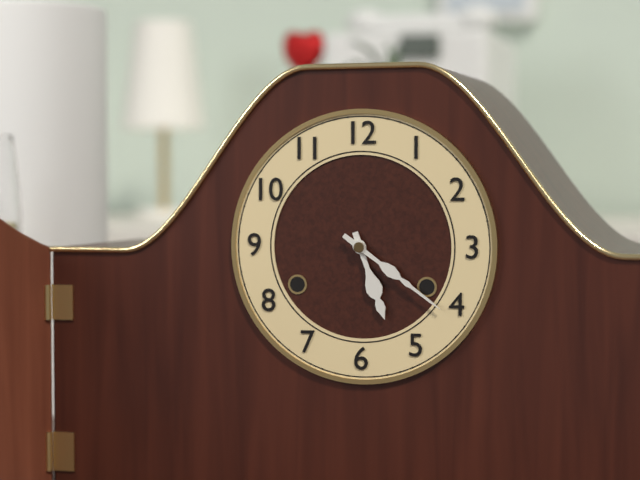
5,21
